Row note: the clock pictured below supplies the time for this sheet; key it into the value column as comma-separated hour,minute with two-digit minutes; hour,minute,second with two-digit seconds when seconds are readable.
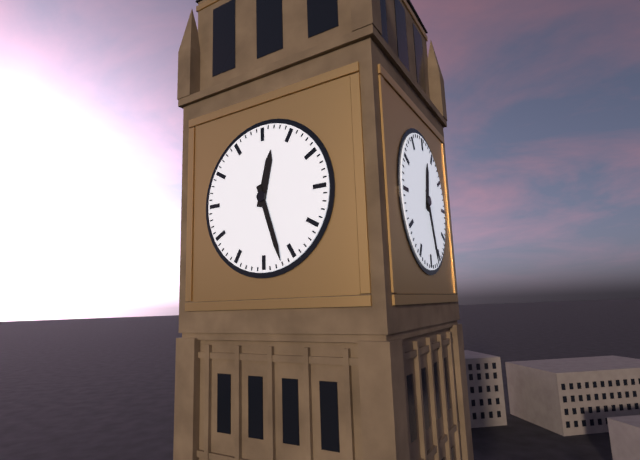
12,27
